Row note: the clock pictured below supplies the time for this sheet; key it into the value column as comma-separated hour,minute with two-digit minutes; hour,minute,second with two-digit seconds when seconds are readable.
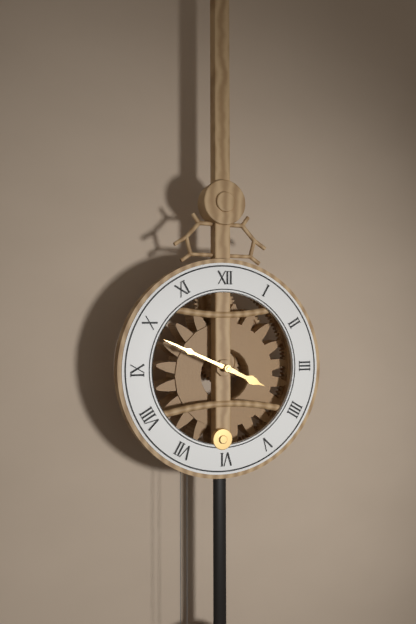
3,49
